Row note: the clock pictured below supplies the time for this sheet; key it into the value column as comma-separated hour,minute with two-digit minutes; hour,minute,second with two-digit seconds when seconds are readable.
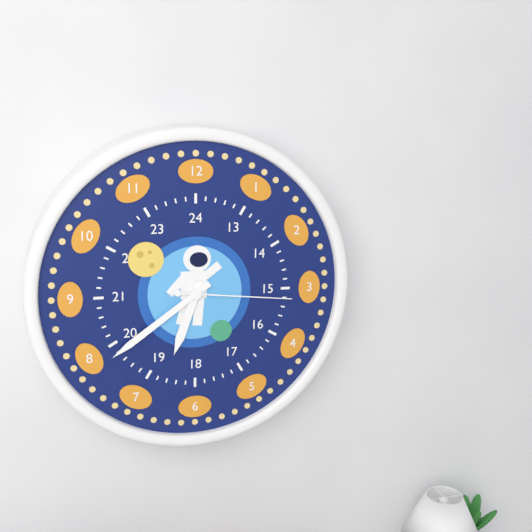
6,39,16
